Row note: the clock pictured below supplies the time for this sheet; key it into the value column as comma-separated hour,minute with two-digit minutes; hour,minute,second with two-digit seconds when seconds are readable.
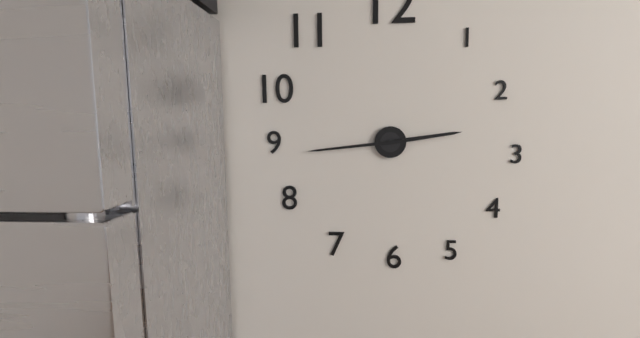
2,44
